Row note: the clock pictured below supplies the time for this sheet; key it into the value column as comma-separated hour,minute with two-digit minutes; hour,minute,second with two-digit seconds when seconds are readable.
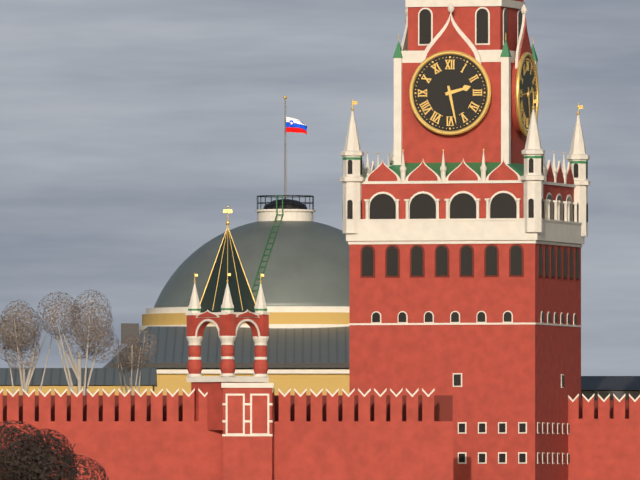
2,28
